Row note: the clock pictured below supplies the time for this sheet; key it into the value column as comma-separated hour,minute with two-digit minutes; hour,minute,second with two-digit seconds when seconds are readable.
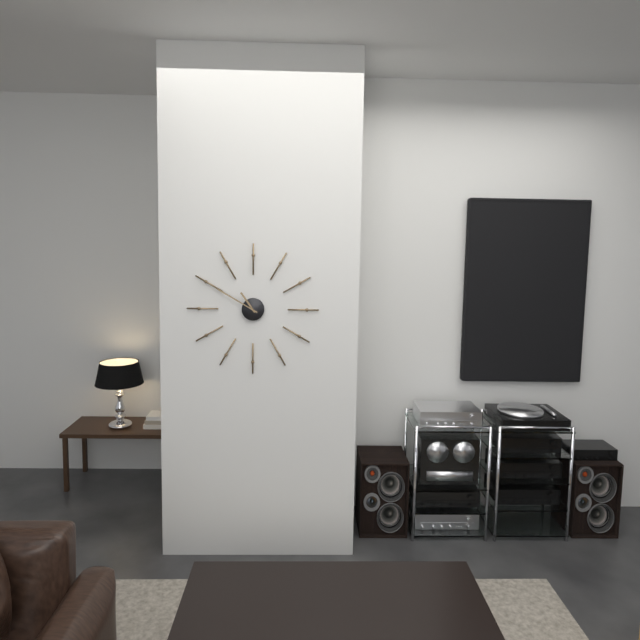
10,50
